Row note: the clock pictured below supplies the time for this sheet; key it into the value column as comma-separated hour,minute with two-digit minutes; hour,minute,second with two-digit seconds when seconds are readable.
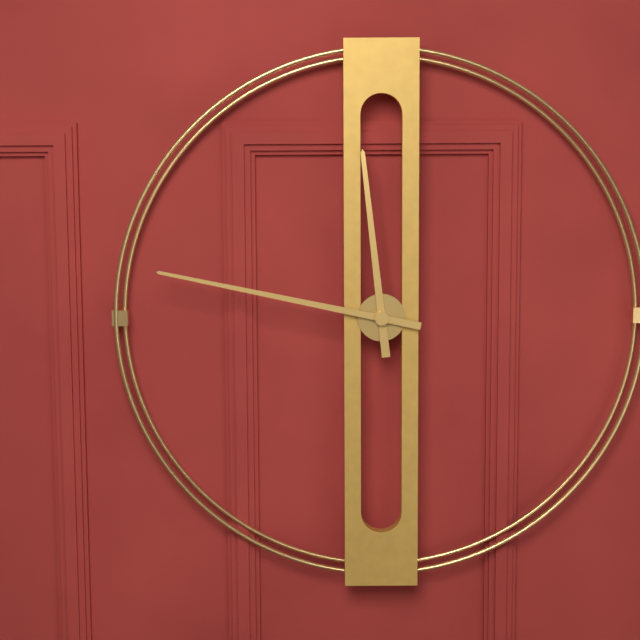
11,47
